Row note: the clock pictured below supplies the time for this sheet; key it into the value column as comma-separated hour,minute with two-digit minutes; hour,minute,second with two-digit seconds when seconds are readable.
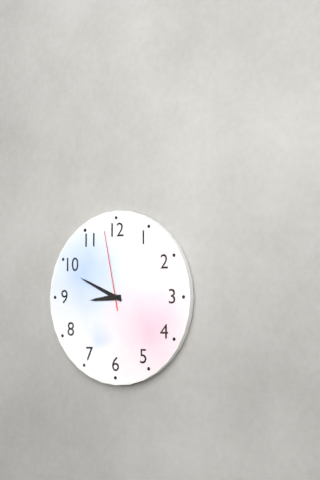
8,49,58
